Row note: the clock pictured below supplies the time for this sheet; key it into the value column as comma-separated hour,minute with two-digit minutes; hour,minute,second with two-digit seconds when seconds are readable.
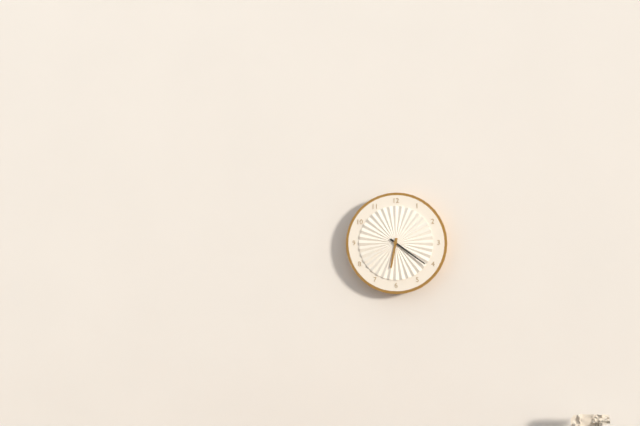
6,21
